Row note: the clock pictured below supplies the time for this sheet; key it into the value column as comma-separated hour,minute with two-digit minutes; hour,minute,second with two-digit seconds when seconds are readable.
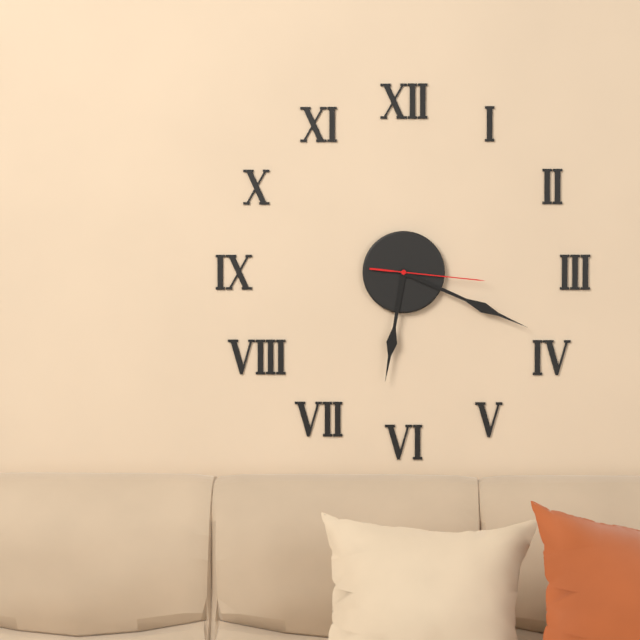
6,19,16
